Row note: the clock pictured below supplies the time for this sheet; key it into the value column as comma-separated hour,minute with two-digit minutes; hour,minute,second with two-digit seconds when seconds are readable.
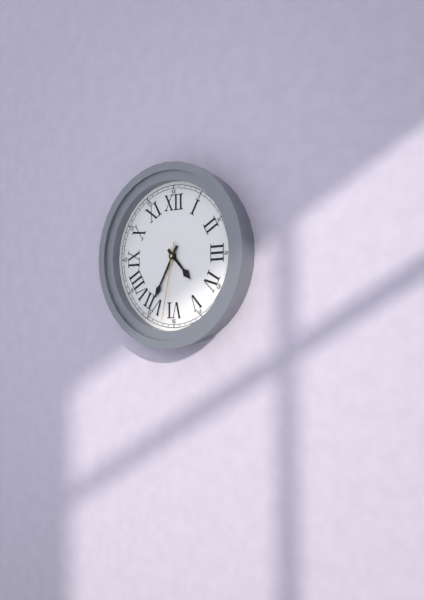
4,35,32
